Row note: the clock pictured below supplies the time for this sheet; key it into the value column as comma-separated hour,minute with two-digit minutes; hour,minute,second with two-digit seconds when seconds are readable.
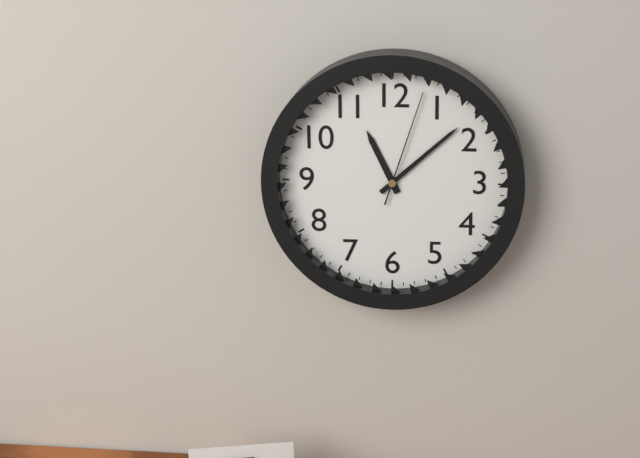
11,08,03
